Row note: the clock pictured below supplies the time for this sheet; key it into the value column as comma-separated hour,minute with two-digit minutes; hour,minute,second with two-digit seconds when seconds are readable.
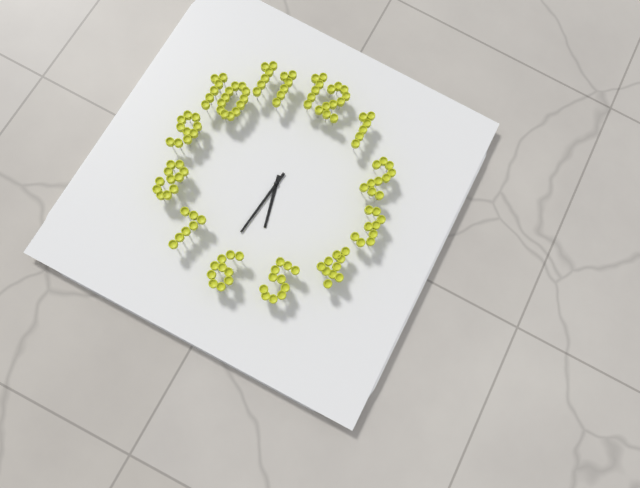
5,31
